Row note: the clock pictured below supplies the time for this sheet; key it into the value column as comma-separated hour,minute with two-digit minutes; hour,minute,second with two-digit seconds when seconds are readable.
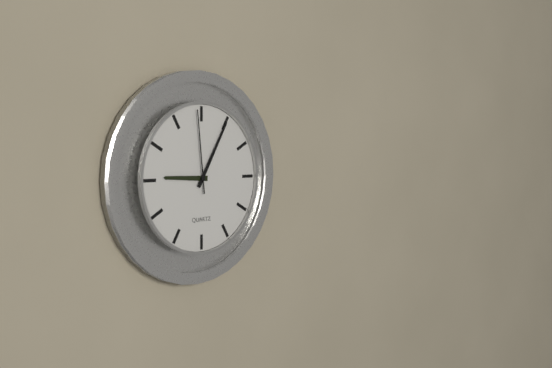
9,05,59
